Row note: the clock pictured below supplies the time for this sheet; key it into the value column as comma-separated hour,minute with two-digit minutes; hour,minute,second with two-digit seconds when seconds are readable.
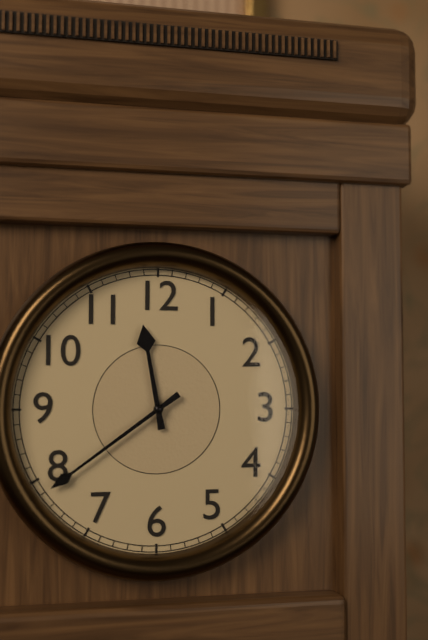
11,39
